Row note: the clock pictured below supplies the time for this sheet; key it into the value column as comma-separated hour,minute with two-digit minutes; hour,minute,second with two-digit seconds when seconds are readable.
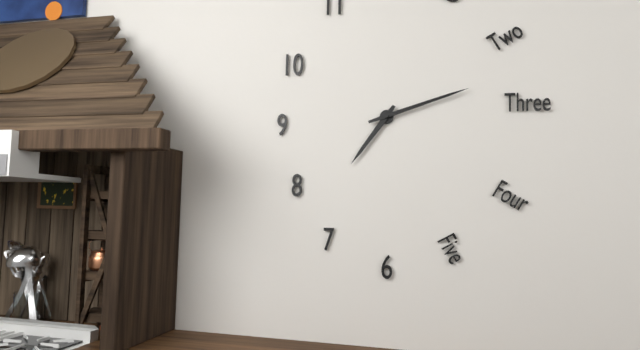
7,12
